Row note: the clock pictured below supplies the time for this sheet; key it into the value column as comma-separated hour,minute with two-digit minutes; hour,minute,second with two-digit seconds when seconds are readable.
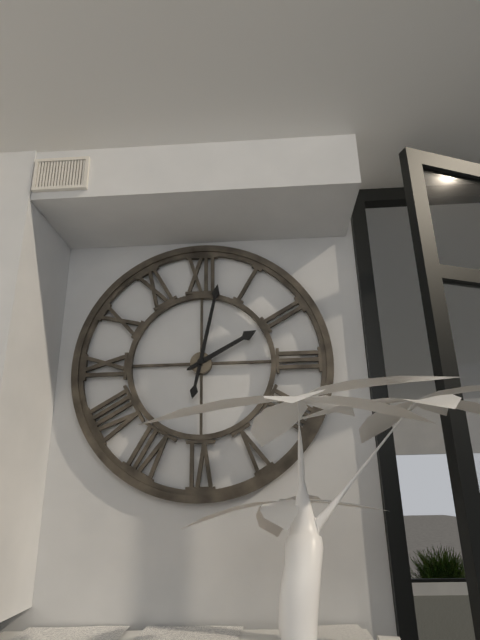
2,02
